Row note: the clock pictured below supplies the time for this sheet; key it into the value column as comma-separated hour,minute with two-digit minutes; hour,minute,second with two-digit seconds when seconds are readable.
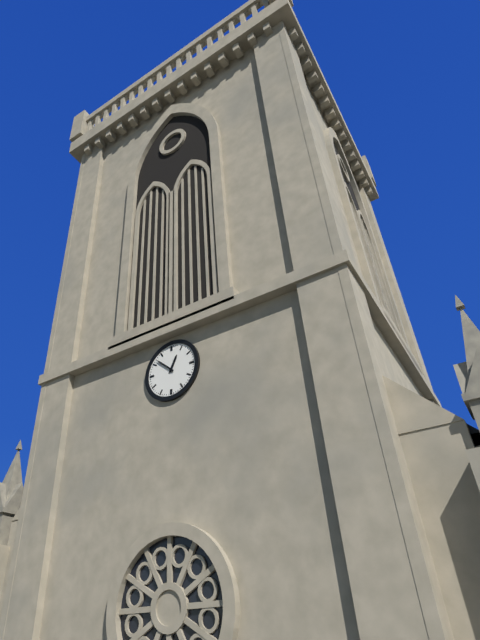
12,52
